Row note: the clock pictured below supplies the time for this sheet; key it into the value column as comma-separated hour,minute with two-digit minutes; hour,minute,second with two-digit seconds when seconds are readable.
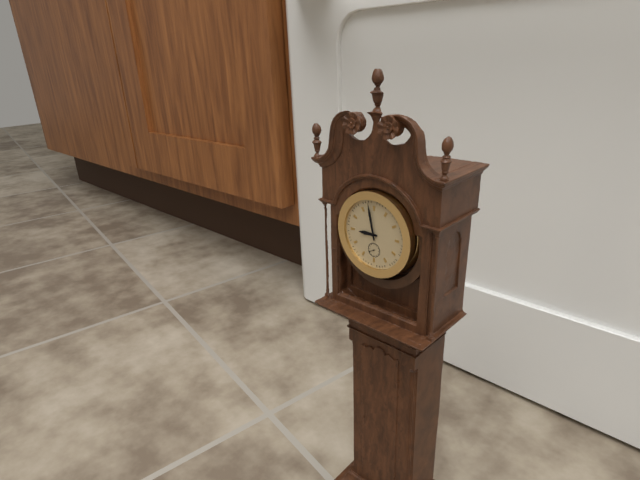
8,58
